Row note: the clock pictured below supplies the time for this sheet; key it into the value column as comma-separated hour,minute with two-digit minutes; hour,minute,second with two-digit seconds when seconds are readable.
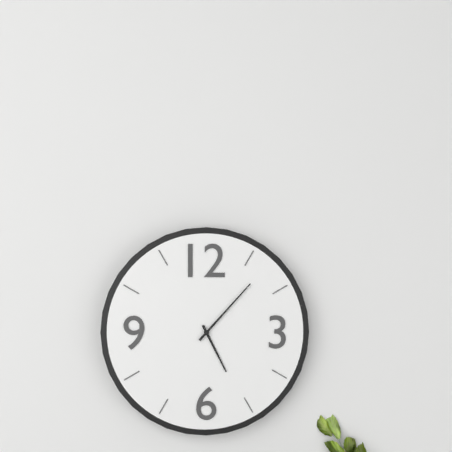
5,07
